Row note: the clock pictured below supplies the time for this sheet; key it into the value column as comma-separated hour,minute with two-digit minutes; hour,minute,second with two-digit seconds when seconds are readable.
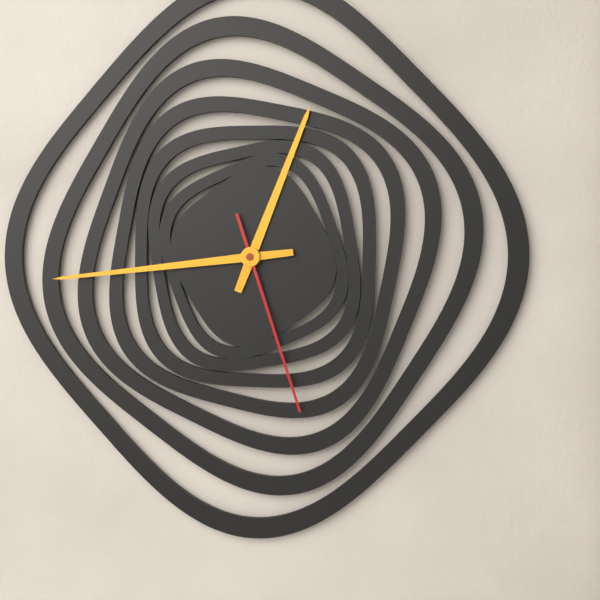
12,44,27
